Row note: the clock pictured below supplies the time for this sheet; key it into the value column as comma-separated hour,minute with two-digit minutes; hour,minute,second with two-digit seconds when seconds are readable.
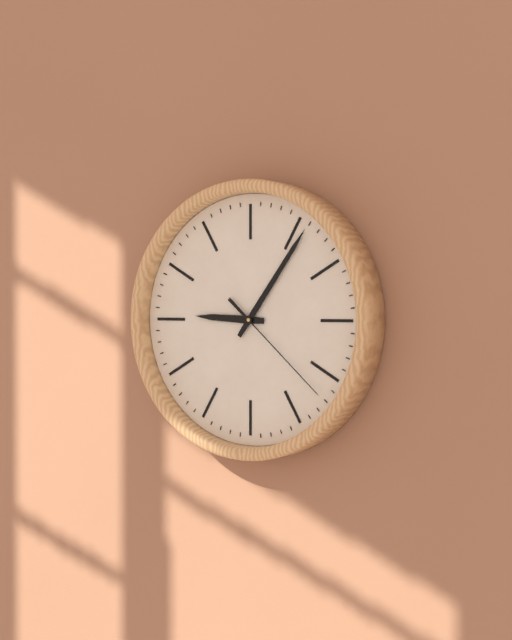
9,06,22
